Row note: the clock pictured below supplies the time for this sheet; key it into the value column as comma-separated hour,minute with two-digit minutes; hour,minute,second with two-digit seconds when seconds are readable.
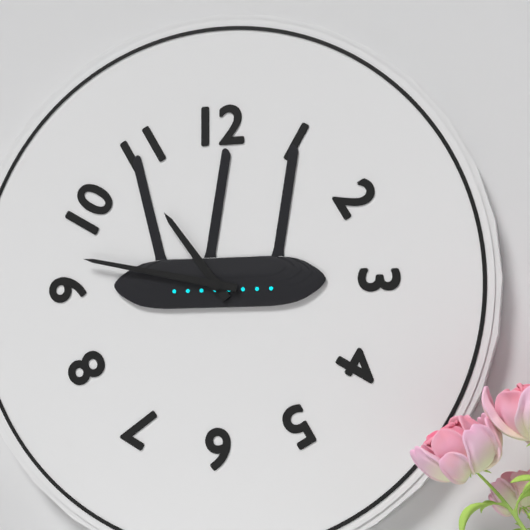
10,47
